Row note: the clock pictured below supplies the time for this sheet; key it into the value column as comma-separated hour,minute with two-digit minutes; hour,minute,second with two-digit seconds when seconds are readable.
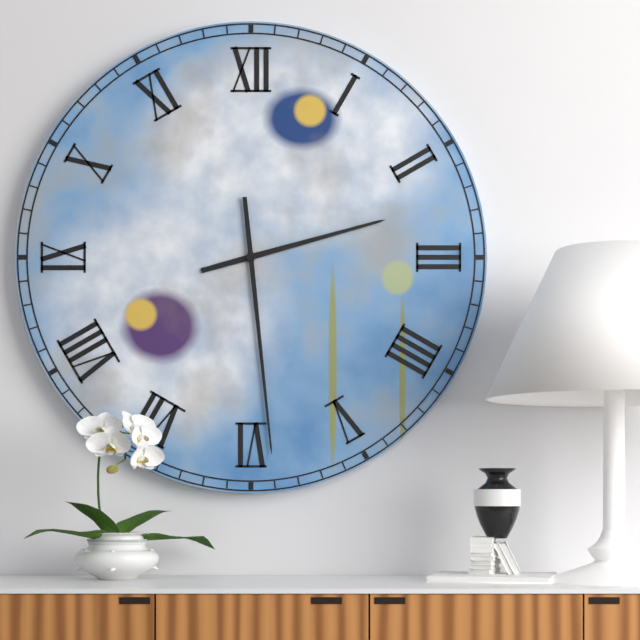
2,29
